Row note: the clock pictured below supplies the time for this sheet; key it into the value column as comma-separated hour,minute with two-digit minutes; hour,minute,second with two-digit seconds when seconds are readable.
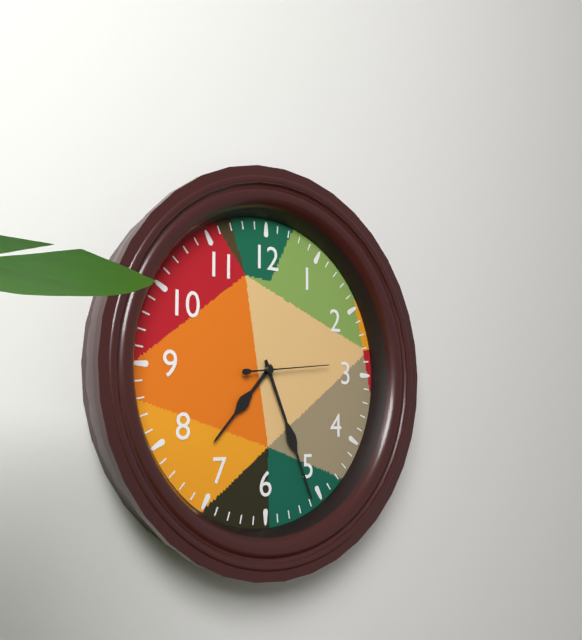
7,26,14
